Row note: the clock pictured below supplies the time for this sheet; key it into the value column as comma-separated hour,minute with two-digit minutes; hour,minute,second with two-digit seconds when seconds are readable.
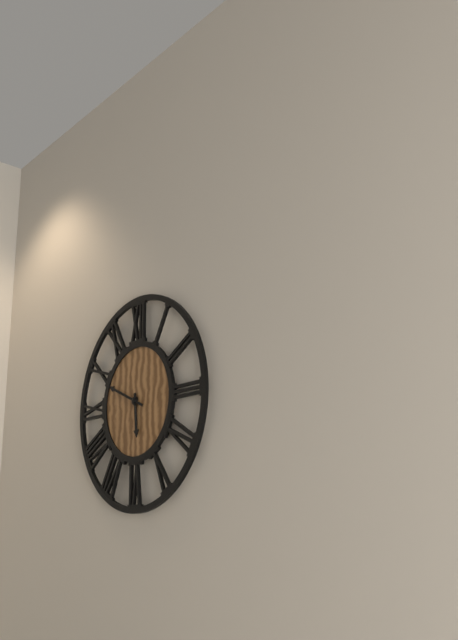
5,49
